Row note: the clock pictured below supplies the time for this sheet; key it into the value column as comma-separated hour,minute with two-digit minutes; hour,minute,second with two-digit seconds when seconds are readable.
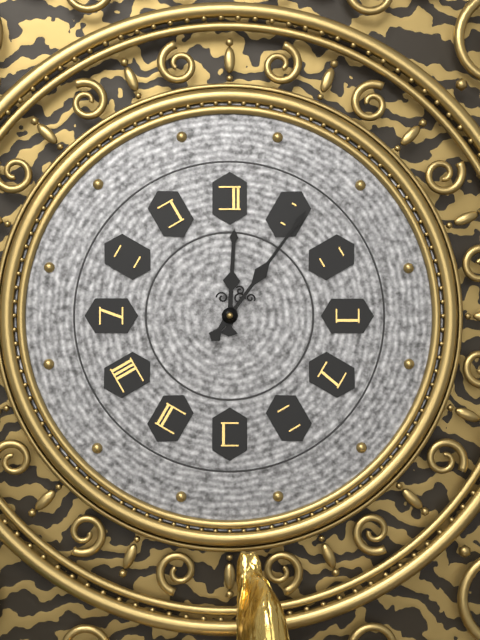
12,06
